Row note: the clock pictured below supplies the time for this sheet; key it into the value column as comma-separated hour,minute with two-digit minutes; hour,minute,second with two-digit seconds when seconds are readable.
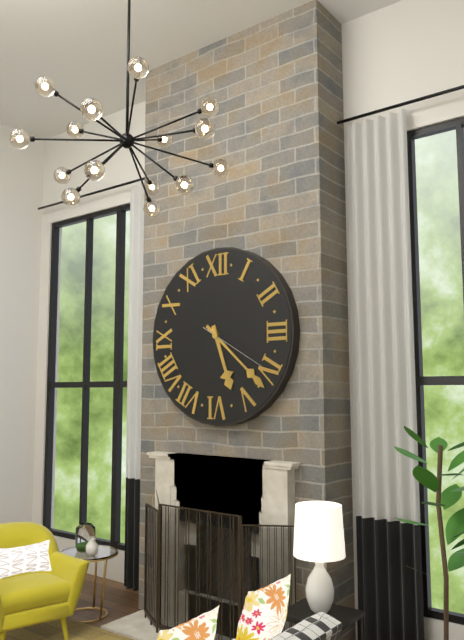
5,22,20
